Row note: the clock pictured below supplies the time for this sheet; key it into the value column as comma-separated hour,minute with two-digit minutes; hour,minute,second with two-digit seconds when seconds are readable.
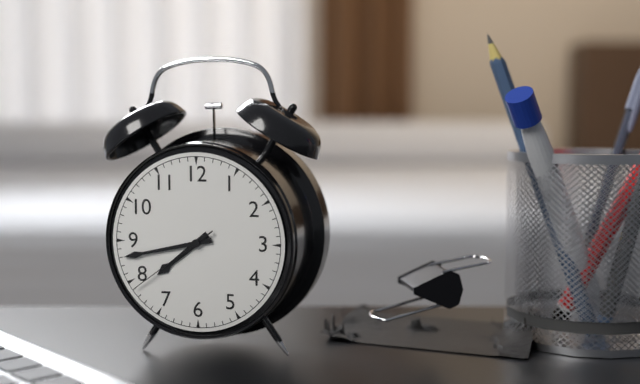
7,43,39
